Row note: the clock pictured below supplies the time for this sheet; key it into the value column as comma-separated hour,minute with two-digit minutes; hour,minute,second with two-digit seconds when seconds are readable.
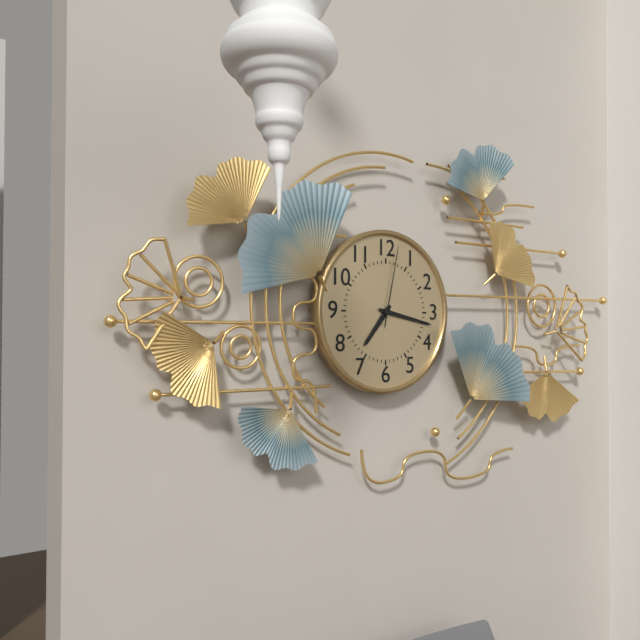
7,17,02
